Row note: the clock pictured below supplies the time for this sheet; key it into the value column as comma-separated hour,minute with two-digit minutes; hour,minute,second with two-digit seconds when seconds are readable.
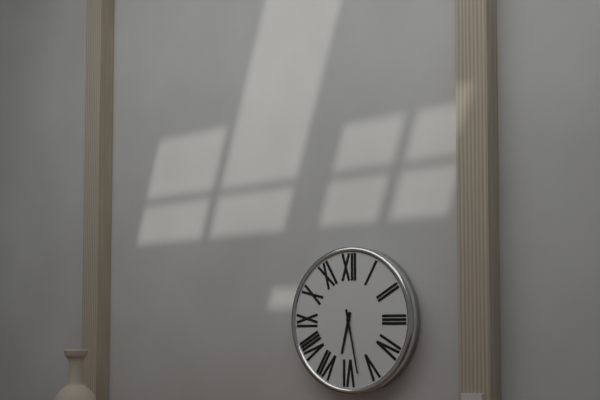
6,28
